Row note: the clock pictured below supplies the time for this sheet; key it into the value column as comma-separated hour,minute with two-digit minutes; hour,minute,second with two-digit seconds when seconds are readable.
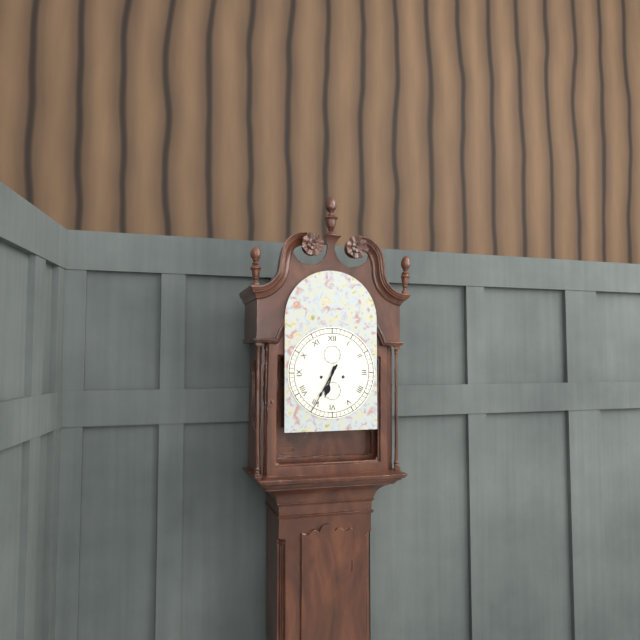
6,35
